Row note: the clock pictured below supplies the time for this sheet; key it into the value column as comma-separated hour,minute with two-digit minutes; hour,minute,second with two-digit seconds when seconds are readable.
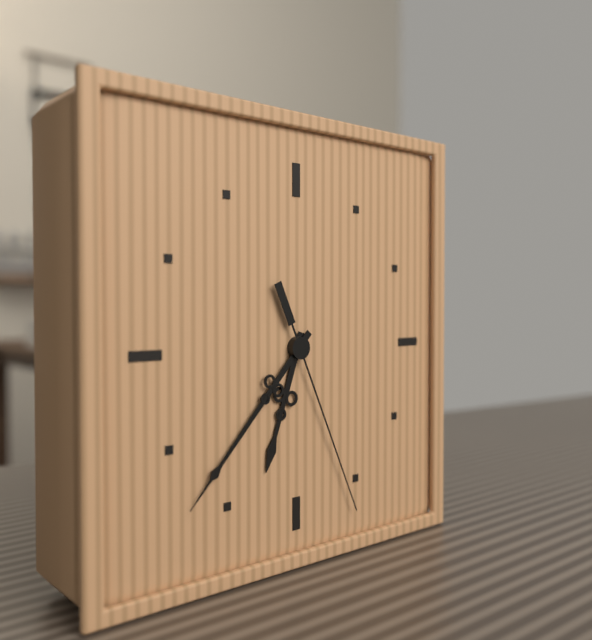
6,37,26
